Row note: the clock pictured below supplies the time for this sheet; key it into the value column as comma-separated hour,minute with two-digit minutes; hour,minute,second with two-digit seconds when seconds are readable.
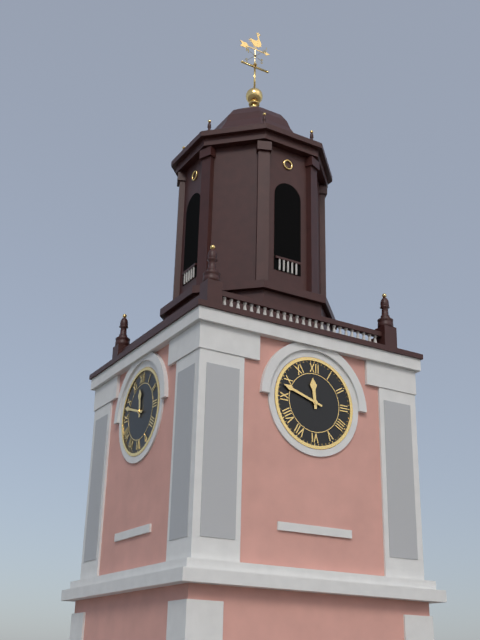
11,48
